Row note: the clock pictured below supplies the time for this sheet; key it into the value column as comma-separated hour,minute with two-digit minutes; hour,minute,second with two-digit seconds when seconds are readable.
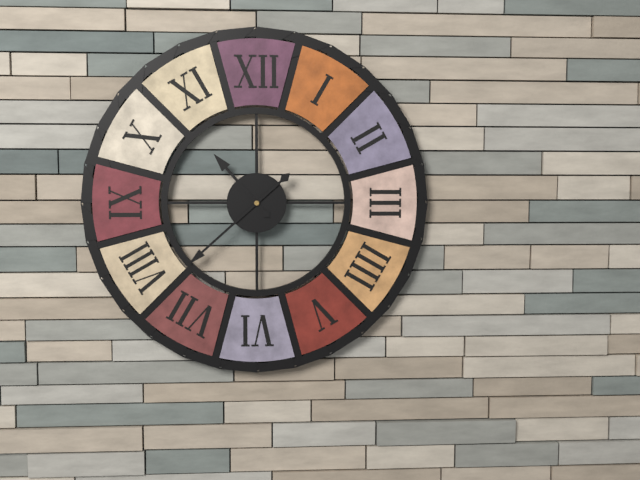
10,38
